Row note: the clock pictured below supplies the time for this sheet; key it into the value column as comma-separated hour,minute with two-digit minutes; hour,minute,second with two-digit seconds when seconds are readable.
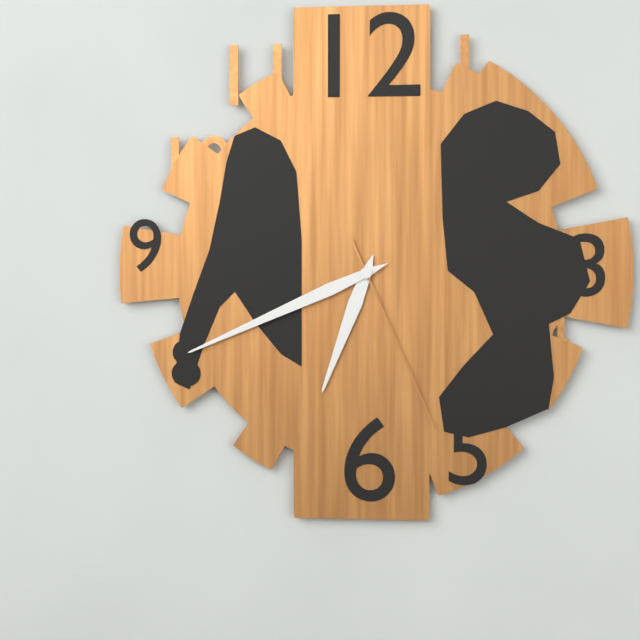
6,41,26
